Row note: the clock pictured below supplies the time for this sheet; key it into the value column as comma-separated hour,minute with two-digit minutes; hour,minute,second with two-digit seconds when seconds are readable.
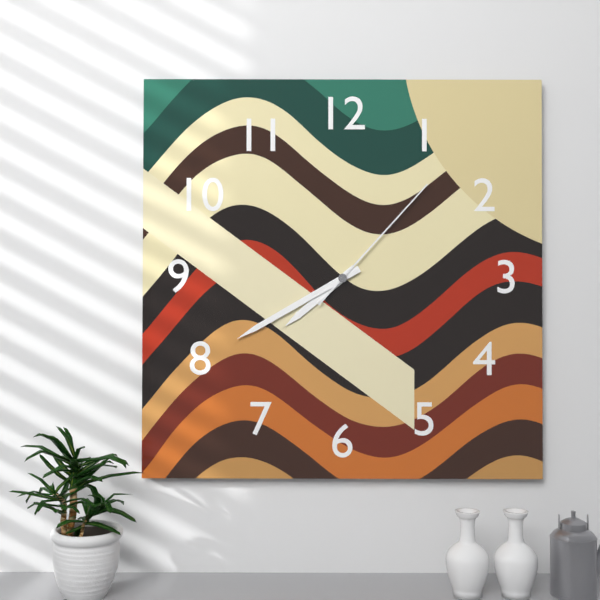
7,40,07
